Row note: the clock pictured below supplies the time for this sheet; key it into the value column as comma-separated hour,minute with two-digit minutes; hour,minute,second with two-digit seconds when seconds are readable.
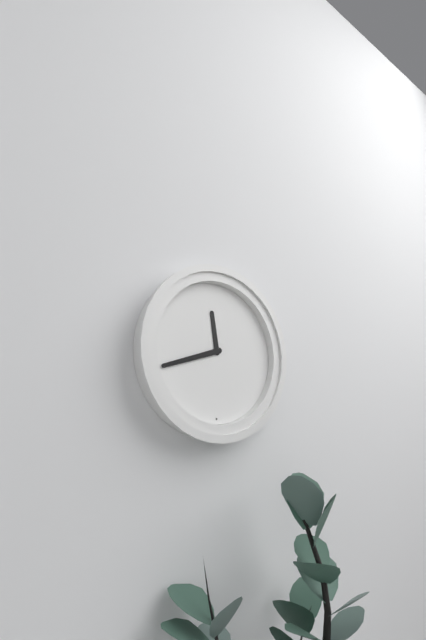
11,42
